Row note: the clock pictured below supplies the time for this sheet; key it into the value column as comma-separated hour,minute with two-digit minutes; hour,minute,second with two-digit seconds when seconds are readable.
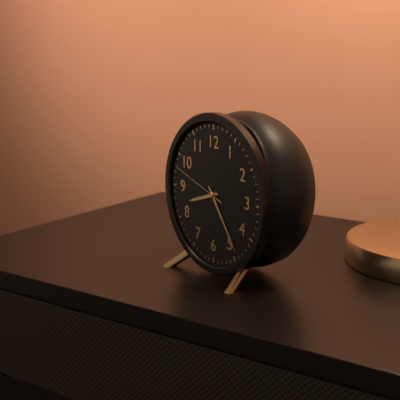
8,24,48
